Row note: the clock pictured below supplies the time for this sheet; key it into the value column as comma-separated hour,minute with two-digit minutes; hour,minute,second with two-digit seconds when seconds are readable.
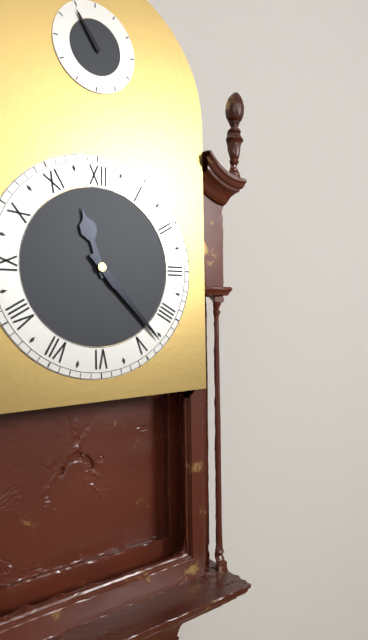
11,23
